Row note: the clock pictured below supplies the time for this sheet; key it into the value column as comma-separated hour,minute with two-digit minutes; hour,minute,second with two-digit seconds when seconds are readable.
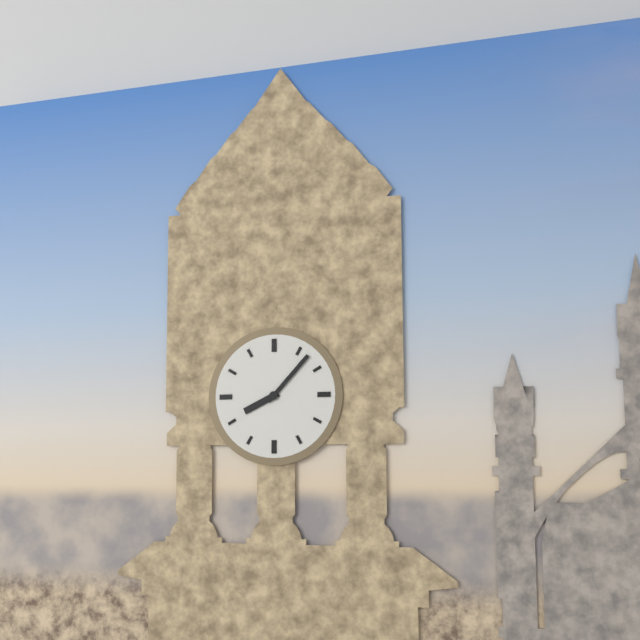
8,07
